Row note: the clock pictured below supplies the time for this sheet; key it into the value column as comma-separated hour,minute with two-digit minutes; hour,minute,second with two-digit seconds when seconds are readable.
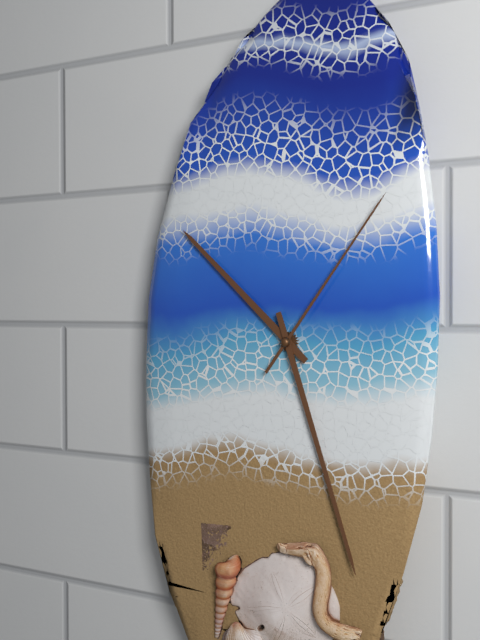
10,27,06
